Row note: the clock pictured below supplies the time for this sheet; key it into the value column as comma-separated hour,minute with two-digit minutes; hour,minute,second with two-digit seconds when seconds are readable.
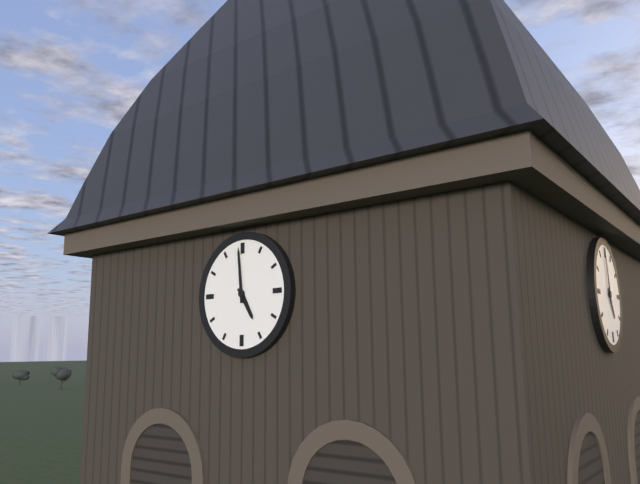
4,59
